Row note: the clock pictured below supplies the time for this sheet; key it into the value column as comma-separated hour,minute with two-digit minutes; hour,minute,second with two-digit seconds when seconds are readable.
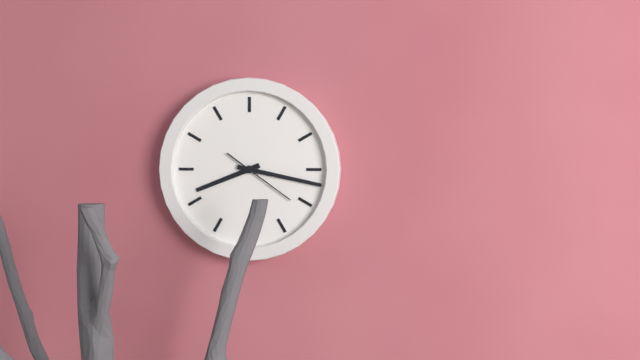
8,17,21
